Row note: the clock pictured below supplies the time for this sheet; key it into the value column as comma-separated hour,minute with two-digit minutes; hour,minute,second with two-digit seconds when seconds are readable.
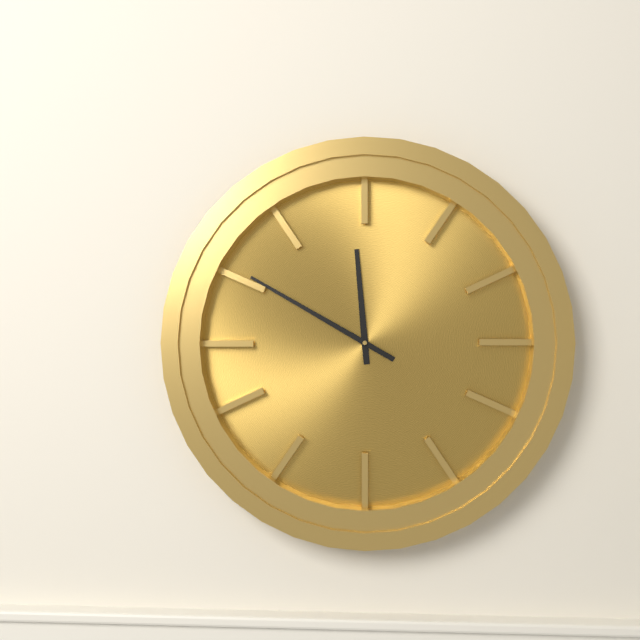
11,50
